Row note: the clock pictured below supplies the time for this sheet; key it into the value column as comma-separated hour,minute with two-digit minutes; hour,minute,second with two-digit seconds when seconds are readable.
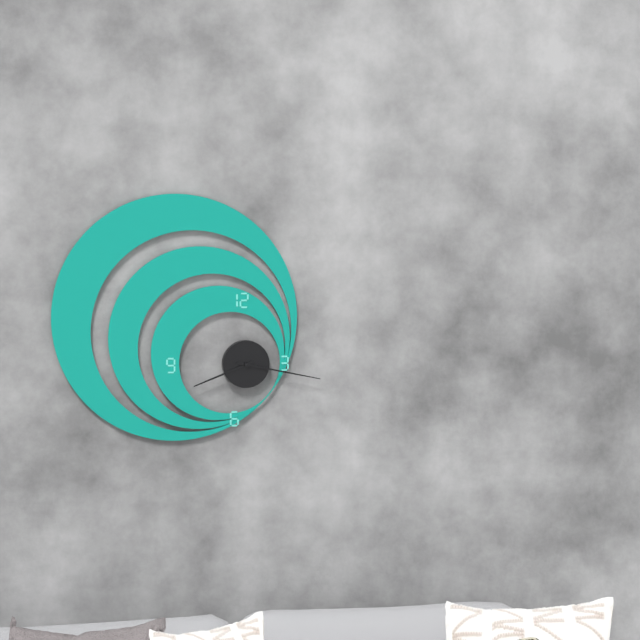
8,17
